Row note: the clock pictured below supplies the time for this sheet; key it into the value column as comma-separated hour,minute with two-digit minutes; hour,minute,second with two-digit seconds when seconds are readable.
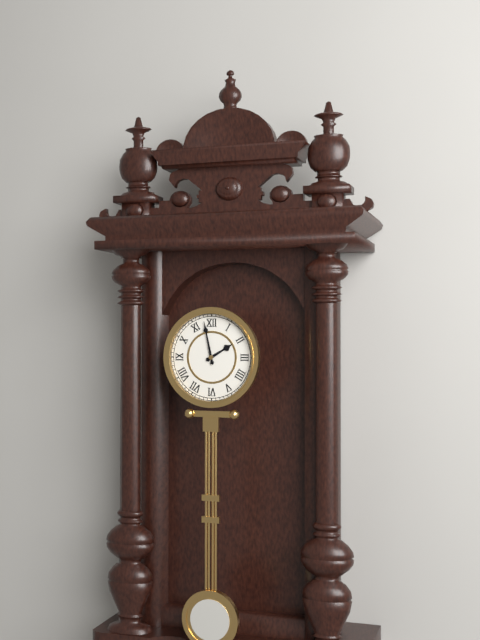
1,58
